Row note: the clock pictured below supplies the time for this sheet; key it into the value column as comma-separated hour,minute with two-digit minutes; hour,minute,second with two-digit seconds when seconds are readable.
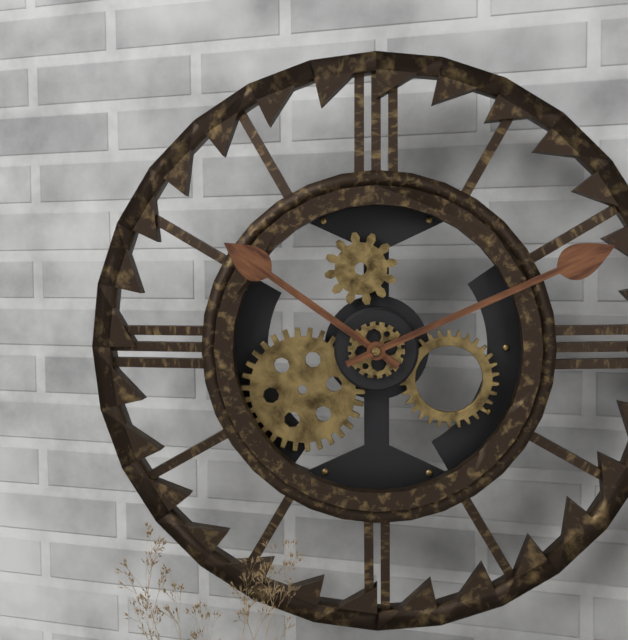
10,11
